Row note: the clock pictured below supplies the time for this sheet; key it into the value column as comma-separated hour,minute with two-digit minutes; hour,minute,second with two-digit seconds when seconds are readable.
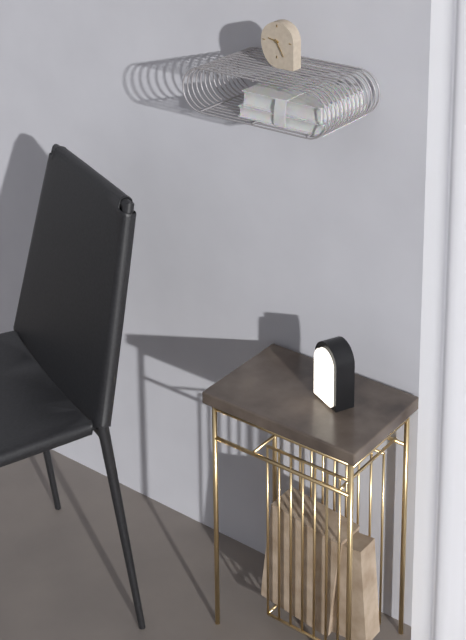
9,25
